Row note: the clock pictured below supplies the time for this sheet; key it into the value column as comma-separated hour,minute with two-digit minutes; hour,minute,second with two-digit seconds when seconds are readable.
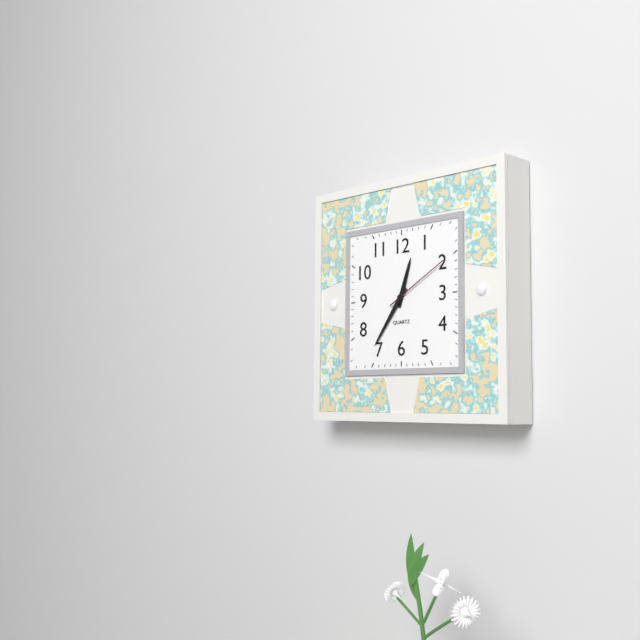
12,36,10
